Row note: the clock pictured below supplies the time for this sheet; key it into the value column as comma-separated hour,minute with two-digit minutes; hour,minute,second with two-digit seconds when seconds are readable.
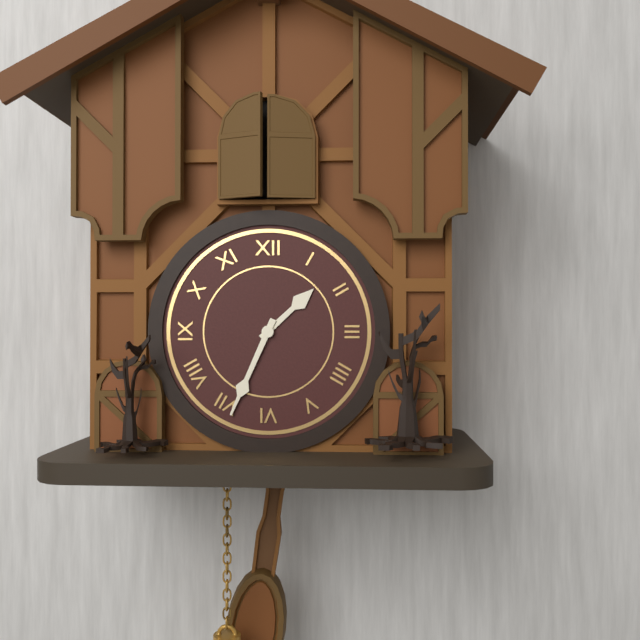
1,34
